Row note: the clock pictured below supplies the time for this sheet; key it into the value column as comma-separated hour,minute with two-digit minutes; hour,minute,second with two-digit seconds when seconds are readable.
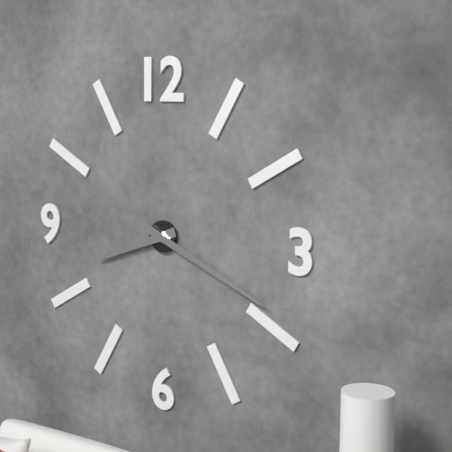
8,19
